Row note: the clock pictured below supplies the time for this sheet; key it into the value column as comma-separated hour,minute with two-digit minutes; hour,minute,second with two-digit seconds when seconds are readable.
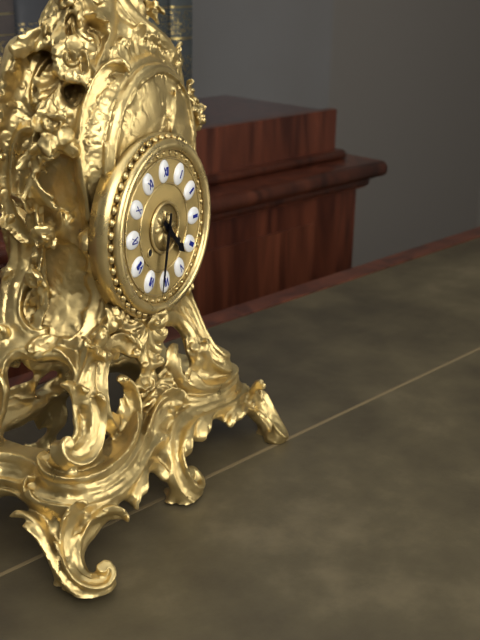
4,32
